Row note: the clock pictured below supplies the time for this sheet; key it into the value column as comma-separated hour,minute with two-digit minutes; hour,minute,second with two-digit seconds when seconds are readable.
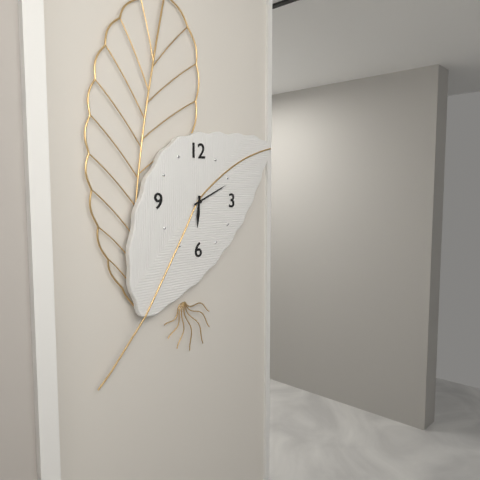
6,11
